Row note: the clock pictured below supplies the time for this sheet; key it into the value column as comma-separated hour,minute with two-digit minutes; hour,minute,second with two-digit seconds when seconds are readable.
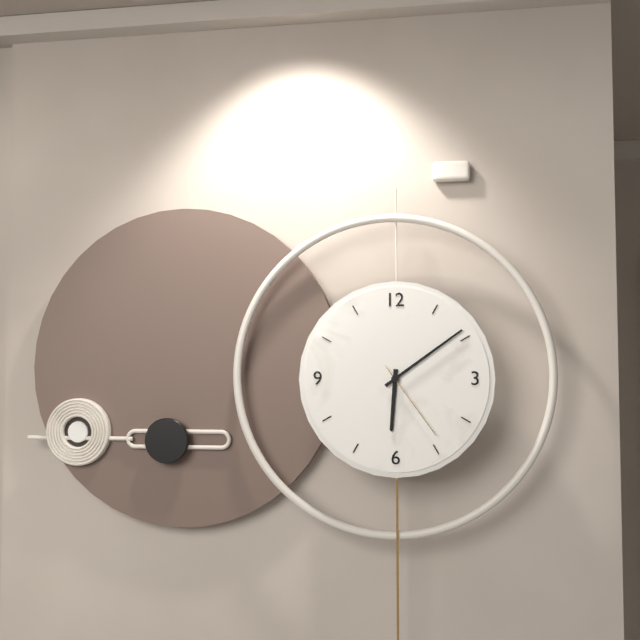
6,09,24
